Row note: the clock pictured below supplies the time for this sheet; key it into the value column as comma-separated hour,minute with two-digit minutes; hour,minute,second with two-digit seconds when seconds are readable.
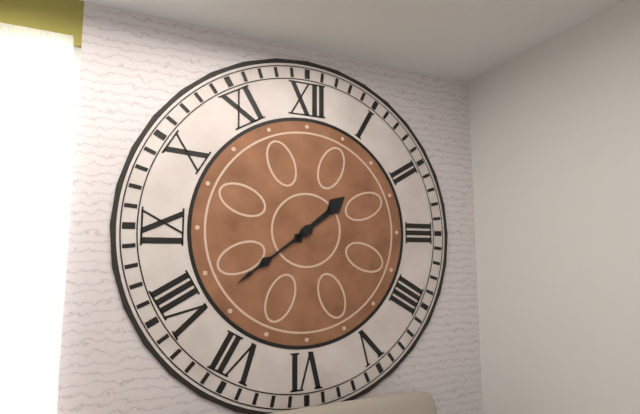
1,39
